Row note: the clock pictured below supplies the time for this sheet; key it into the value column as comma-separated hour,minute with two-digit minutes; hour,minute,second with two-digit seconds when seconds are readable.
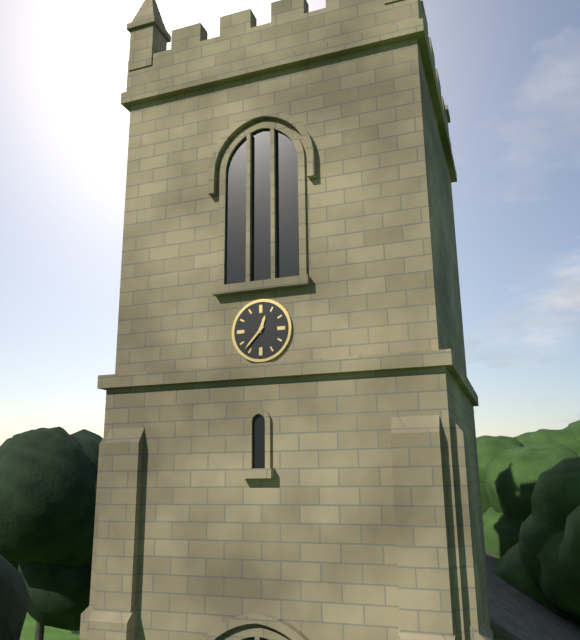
12,37
